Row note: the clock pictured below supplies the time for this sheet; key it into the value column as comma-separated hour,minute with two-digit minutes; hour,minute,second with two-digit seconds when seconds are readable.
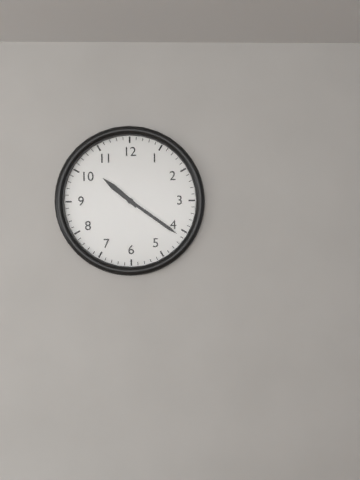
10,21
